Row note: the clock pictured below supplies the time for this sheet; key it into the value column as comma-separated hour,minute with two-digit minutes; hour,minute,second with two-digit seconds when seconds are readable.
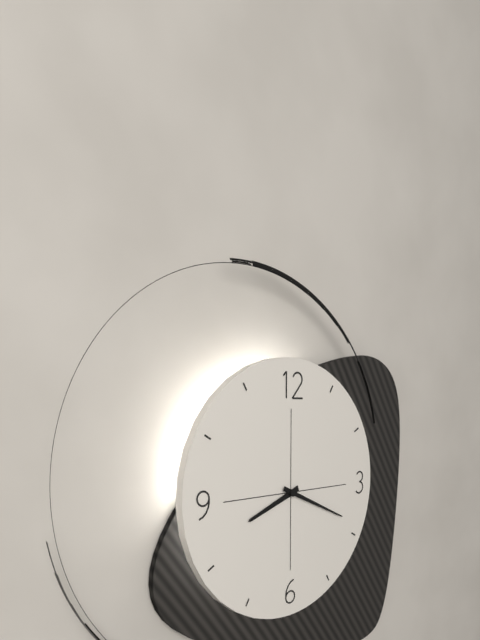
8,19
